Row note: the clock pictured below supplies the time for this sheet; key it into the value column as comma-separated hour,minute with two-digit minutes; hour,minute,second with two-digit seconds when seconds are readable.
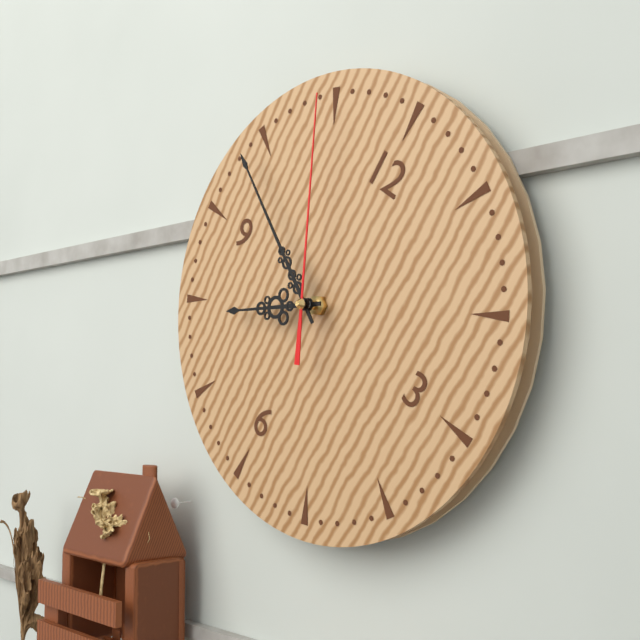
7,49,55
